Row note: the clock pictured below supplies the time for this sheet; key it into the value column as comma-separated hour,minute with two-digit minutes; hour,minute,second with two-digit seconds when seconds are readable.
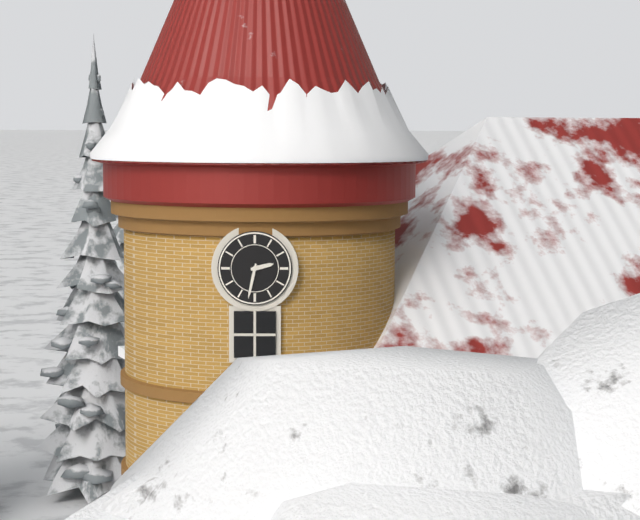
2,32
